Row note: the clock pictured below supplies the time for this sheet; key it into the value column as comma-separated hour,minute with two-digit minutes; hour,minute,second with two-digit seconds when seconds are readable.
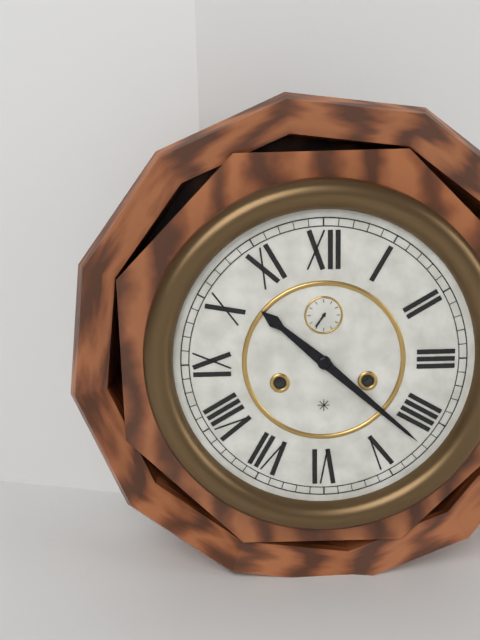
10,22
